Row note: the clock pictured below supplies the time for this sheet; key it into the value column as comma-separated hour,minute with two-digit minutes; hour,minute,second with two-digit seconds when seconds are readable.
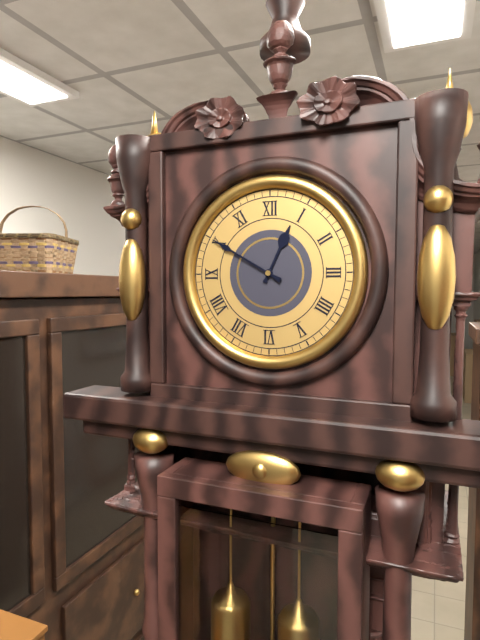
12,50
